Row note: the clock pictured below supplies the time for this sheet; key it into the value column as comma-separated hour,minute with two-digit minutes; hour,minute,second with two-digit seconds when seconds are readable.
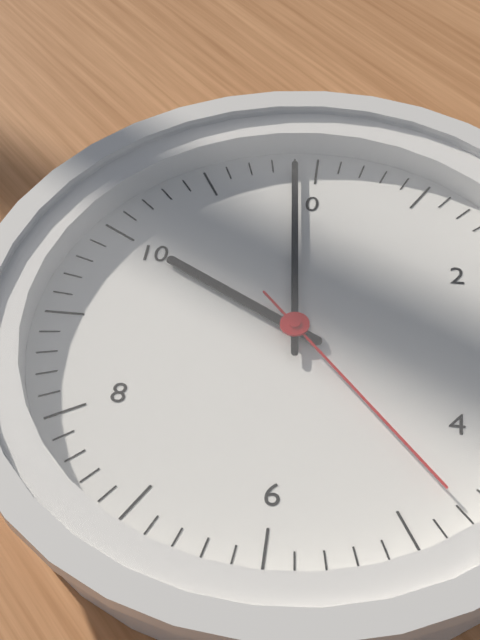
9,59,23
